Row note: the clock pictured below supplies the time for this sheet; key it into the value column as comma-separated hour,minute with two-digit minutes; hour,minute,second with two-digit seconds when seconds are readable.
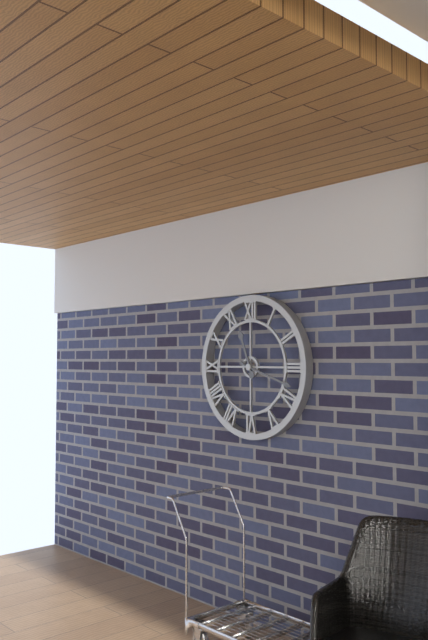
11,18
